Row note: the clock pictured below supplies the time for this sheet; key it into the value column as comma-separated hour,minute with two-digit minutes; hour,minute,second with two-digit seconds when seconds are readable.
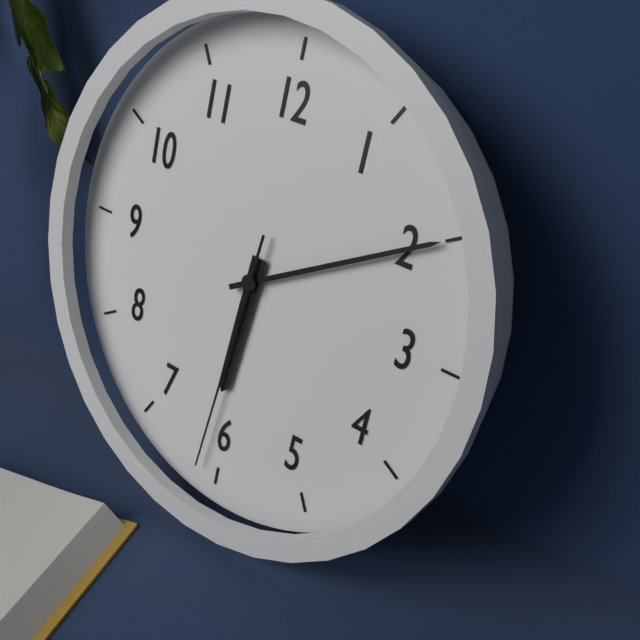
6,10,31
